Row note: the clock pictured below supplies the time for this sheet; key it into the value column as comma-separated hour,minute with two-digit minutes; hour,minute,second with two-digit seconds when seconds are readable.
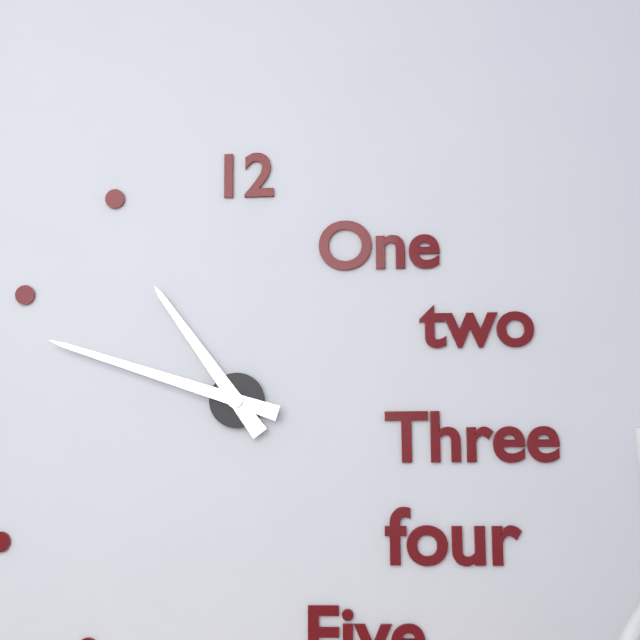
10,48
